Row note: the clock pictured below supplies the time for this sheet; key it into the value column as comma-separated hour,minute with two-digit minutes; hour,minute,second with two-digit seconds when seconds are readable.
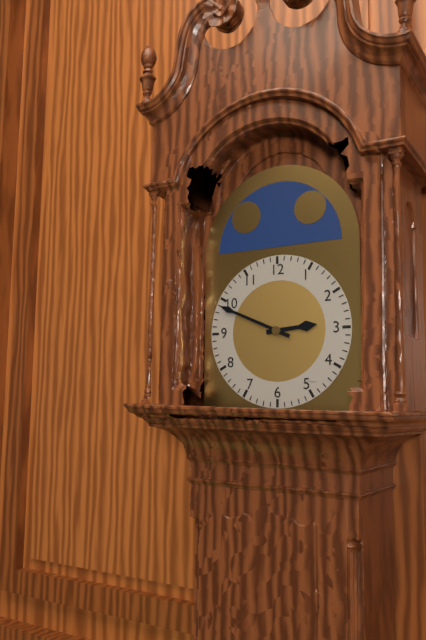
2,49
